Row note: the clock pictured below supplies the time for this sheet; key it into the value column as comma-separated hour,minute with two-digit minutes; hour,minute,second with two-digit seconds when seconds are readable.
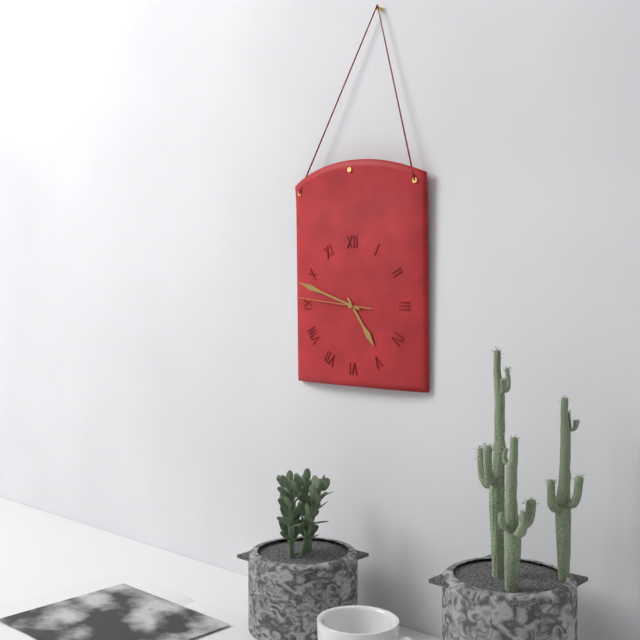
4,48,46
